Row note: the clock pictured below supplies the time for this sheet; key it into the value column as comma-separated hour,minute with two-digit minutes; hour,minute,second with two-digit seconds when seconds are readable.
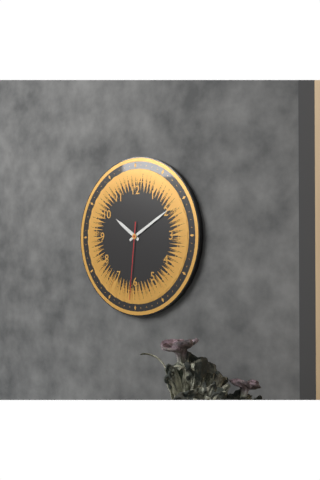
10,10,31
